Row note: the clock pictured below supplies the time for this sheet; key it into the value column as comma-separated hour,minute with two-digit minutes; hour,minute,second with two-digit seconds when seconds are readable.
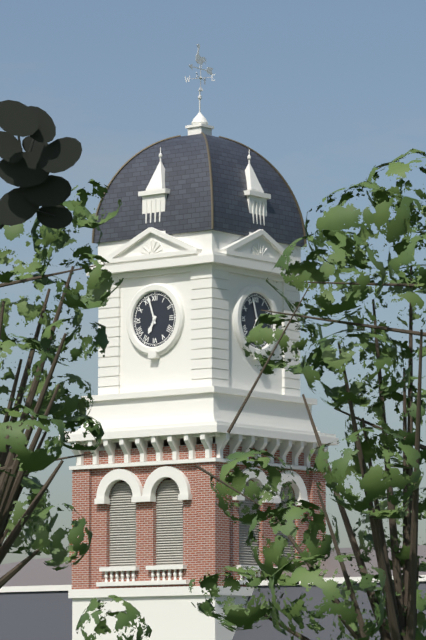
6,57
